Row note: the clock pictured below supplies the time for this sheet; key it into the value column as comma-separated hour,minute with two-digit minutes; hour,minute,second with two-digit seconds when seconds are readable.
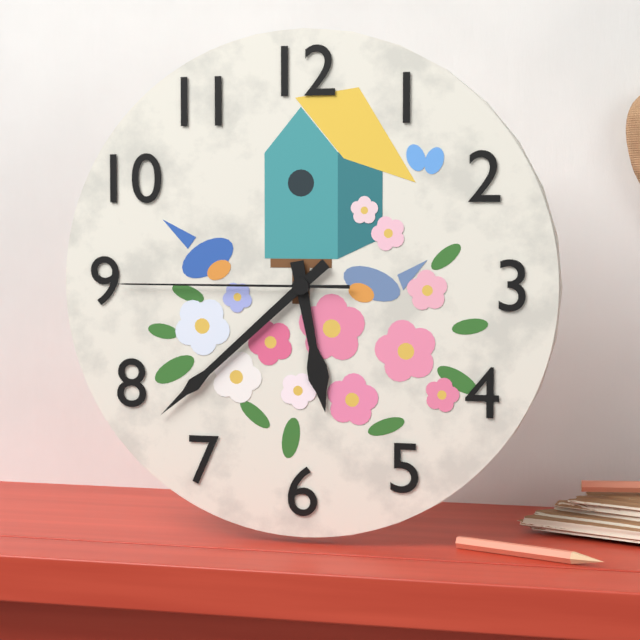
5,38,45
